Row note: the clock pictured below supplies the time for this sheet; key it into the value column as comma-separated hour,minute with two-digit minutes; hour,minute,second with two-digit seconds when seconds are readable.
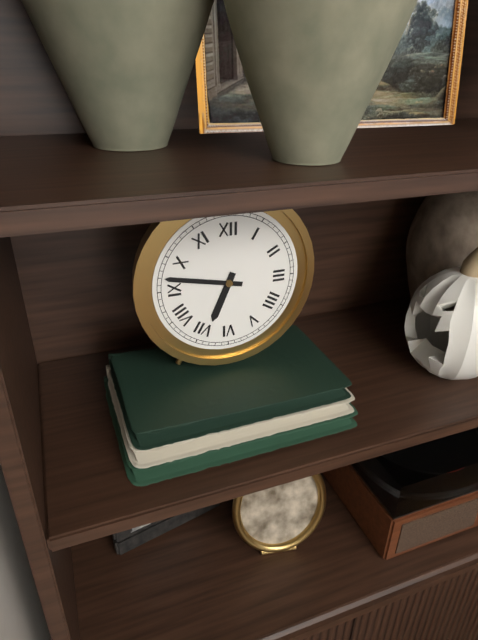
6,47
